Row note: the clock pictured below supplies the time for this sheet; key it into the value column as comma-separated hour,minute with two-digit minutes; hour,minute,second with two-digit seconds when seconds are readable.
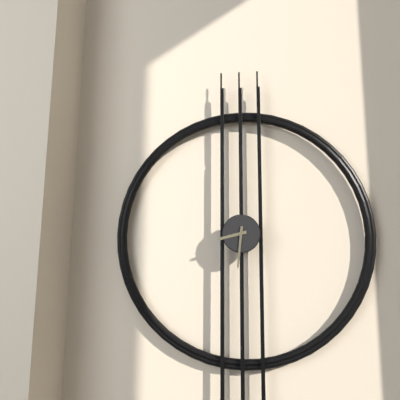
8,31
